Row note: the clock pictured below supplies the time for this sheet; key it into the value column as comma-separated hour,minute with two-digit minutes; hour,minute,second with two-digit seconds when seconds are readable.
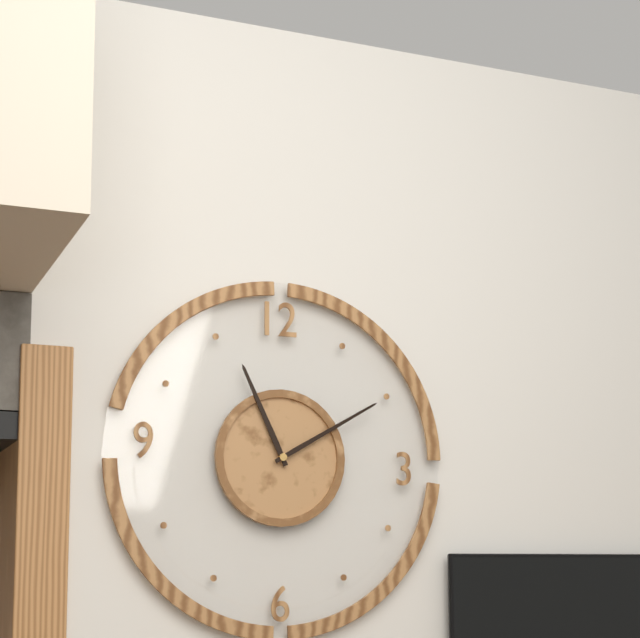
11,10
